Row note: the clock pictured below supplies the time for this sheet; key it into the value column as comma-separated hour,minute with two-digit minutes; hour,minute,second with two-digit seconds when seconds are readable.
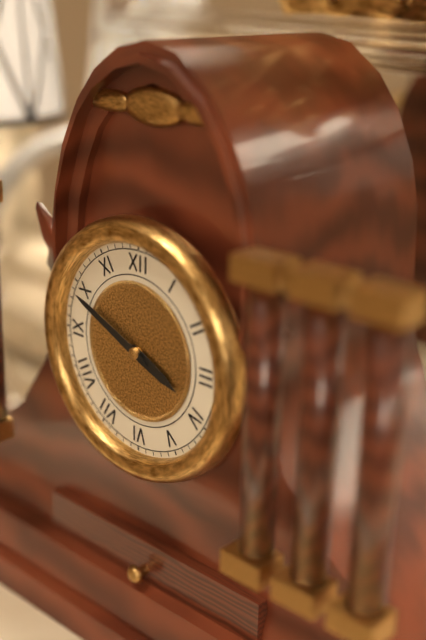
3,49
